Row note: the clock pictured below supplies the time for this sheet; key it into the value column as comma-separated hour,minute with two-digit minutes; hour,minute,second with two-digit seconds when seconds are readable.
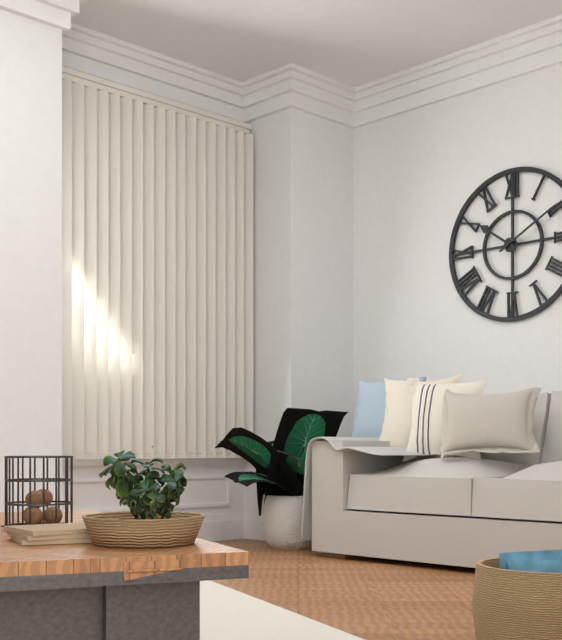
10,10
